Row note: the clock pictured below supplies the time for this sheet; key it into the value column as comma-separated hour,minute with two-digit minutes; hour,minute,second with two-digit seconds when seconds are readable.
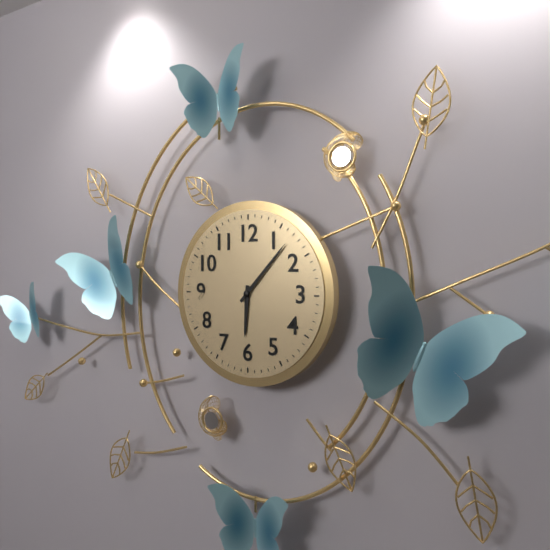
6,07
